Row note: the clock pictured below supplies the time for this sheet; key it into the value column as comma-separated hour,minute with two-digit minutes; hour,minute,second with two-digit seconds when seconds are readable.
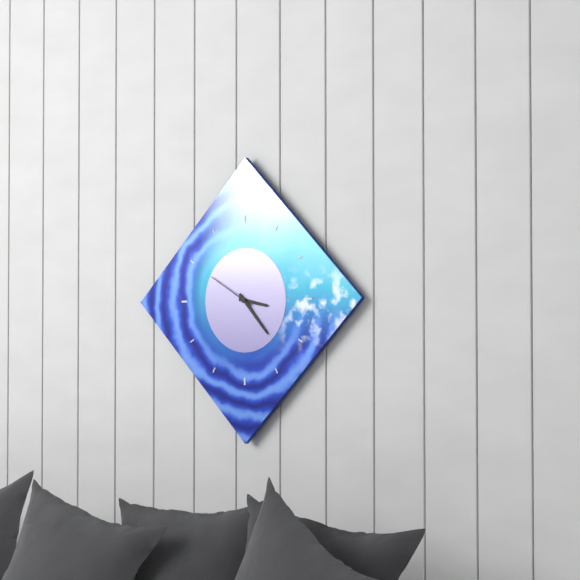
3,23,50
